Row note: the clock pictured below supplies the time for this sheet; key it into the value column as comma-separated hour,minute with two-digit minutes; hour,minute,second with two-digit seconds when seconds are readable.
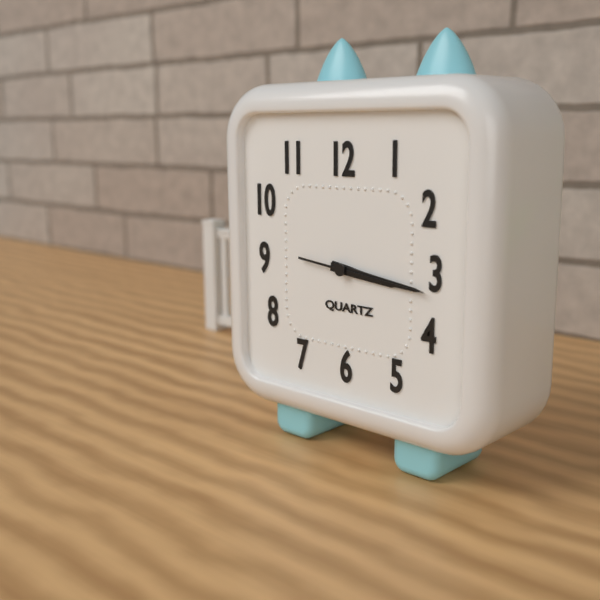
3,16,16
